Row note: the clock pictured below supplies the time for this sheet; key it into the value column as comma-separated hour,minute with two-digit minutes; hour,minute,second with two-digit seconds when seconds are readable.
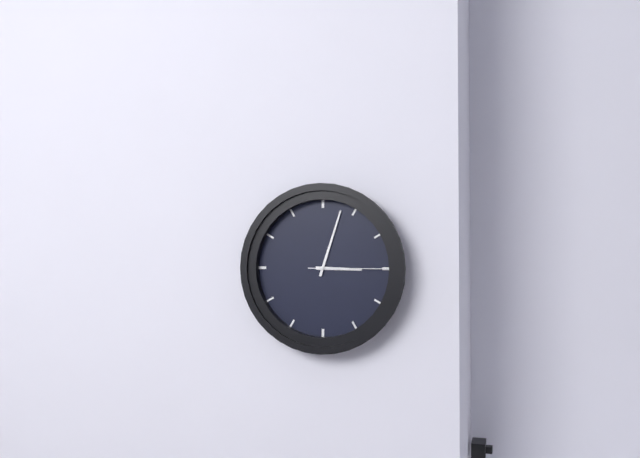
3,03,15
